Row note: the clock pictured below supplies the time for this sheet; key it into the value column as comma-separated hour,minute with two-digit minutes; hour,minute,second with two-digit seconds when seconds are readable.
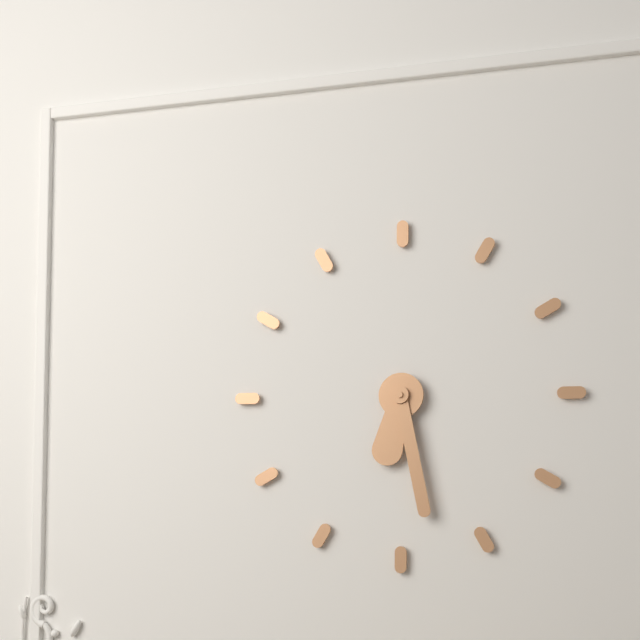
6,28
